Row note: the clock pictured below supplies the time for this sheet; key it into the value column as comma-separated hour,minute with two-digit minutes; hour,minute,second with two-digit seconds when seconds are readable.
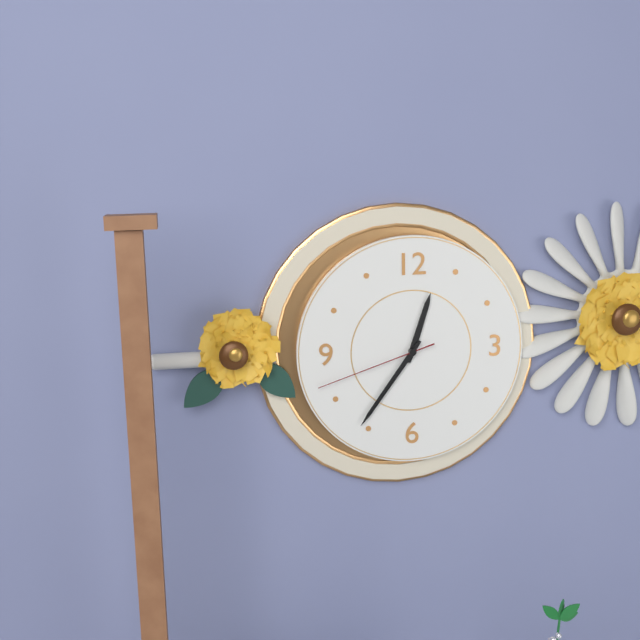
12,36,42
